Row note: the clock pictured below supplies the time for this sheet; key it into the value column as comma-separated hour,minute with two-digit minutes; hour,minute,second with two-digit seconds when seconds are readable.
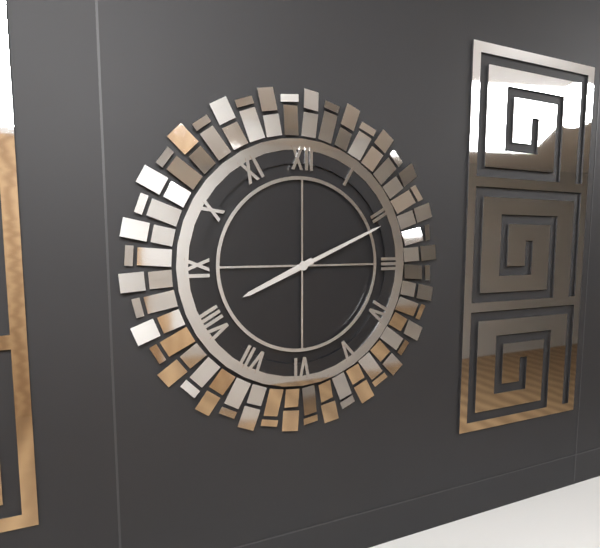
8,11
